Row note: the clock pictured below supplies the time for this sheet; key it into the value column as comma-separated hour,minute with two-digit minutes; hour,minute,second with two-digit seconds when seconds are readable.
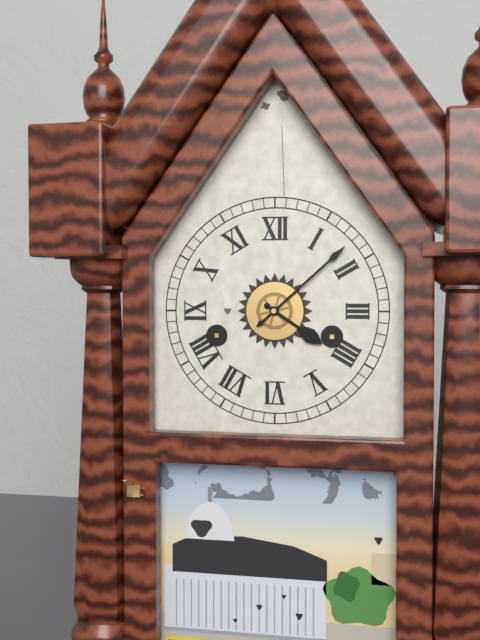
4,08
